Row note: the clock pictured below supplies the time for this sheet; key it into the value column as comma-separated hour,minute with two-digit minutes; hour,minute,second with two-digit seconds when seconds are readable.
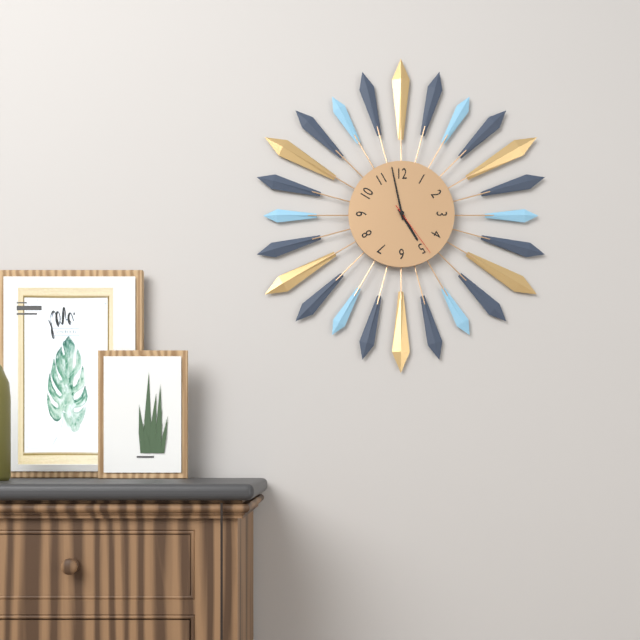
4,58,24
